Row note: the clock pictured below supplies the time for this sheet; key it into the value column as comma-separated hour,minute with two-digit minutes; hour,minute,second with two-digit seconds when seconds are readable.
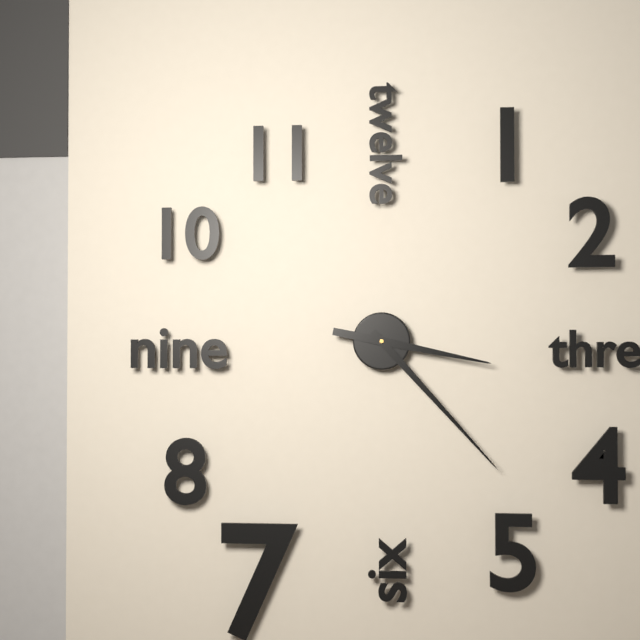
3,23
